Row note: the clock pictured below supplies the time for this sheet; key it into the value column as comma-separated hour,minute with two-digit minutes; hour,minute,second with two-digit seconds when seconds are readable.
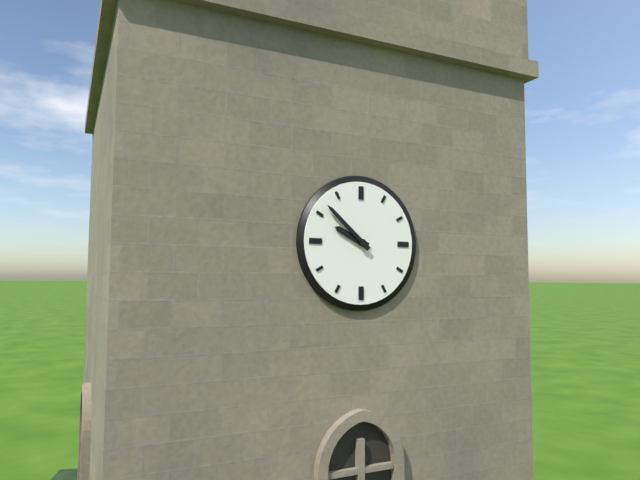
9,52
